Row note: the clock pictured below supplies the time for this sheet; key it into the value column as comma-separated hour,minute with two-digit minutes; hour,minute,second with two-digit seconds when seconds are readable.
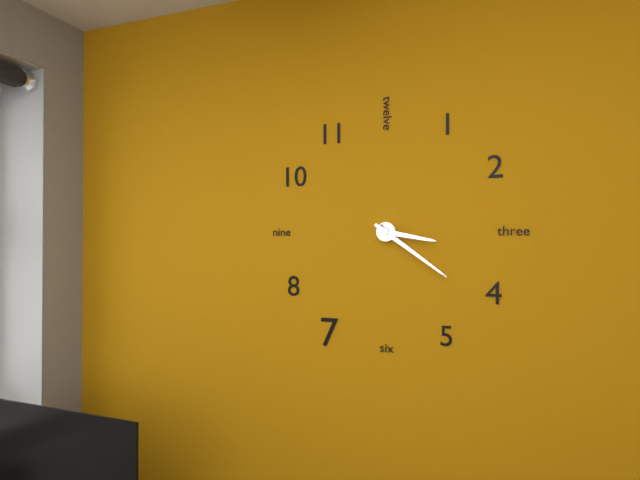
3,21
